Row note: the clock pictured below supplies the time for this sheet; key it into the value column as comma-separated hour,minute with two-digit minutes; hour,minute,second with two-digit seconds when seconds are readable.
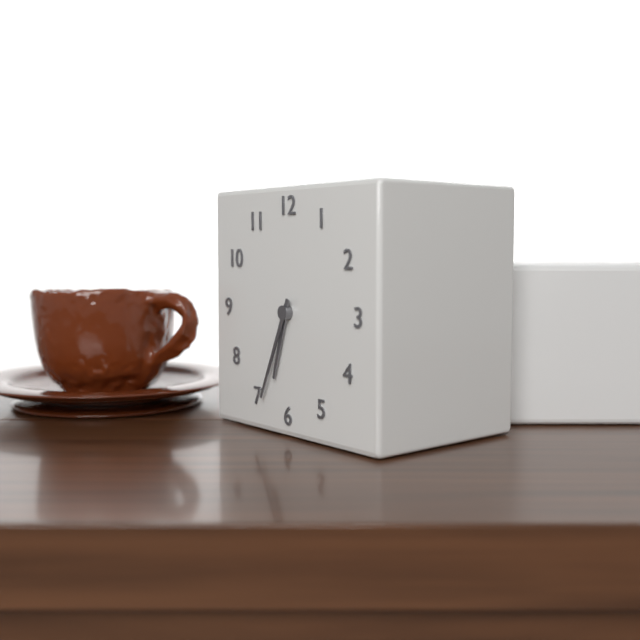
6,34
